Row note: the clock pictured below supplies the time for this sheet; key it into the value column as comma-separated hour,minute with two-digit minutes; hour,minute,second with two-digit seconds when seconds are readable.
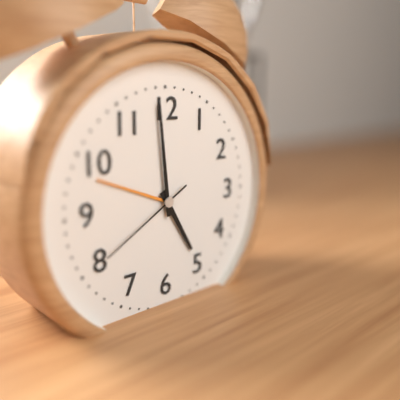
4,59,40
